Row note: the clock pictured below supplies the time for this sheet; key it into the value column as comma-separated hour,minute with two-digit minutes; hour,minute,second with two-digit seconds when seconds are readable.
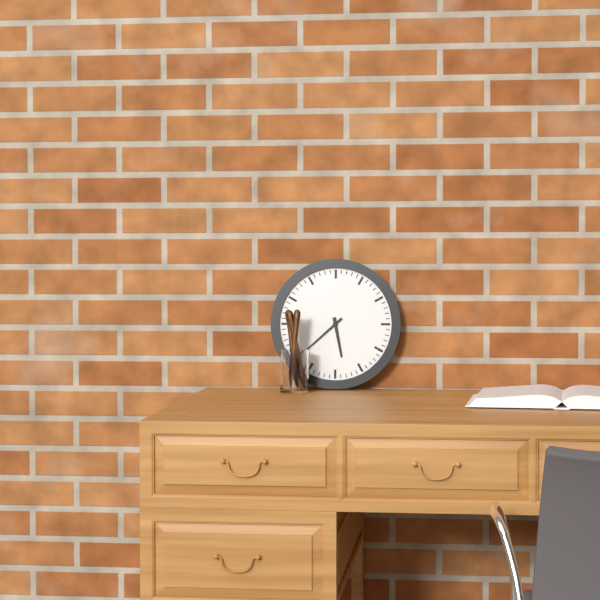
5,38
